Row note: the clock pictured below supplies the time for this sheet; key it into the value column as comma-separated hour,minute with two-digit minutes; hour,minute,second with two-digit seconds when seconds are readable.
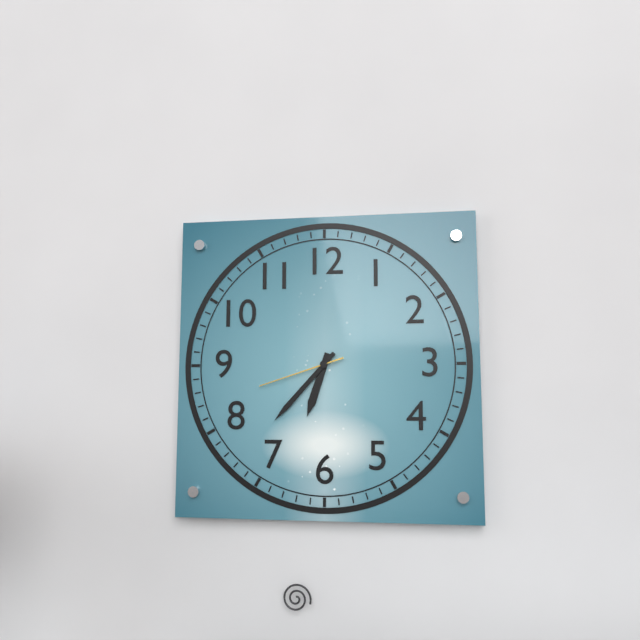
6,37,42
